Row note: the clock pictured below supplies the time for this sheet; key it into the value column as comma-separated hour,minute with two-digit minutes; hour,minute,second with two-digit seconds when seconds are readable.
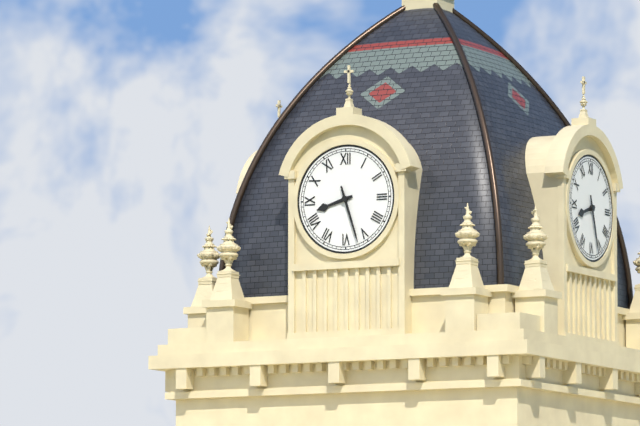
8,27
